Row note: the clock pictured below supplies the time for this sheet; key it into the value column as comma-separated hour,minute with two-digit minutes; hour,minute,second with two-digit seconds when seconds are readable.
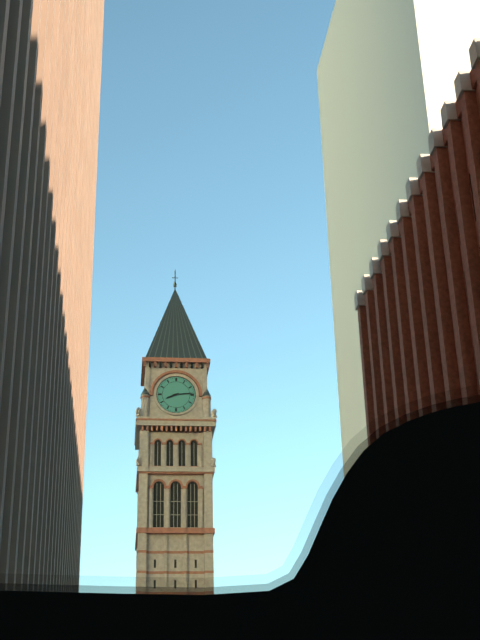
8,14
